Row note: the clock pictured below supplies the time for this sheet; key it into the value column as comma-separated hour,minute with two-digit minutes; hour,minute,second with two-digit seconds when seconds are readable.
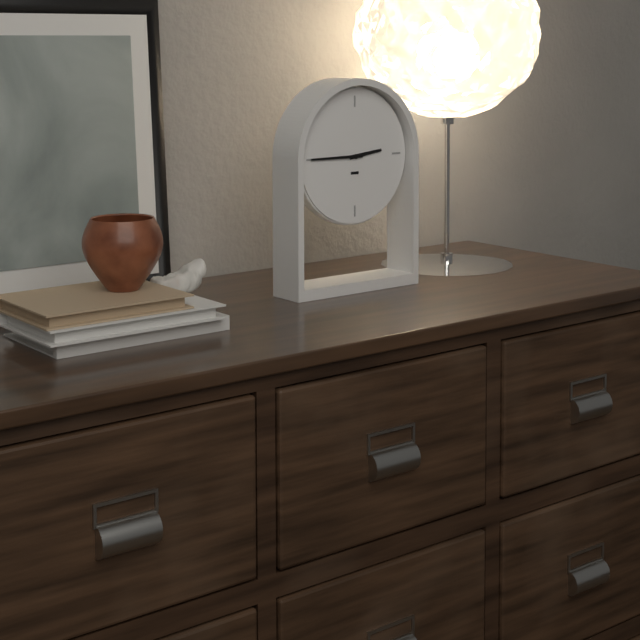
2,45
